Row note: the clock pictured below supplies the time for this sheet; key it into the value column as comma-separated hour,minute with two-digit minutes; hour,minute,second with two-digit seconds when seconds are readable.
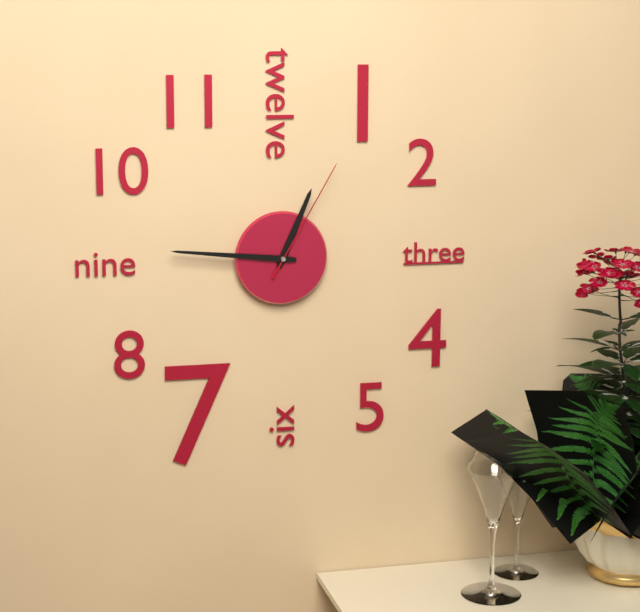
12,46,05
